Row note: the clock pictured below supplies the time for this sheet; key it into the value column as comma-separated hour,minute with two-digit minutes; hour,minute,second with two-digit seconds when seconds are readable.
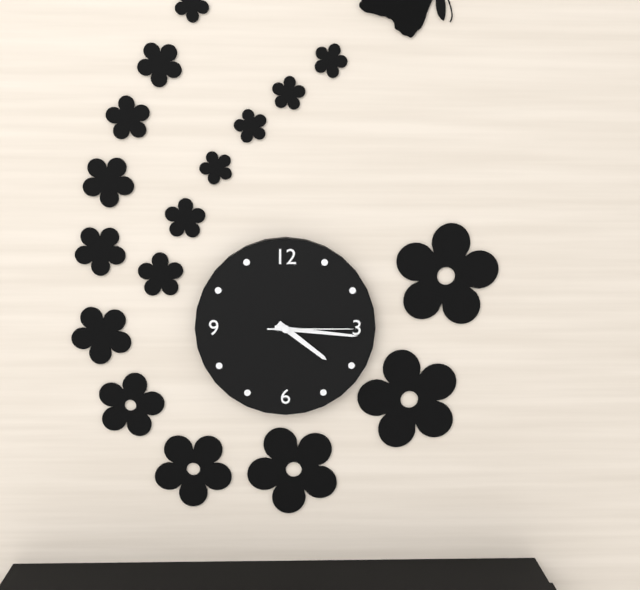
4,16,15
